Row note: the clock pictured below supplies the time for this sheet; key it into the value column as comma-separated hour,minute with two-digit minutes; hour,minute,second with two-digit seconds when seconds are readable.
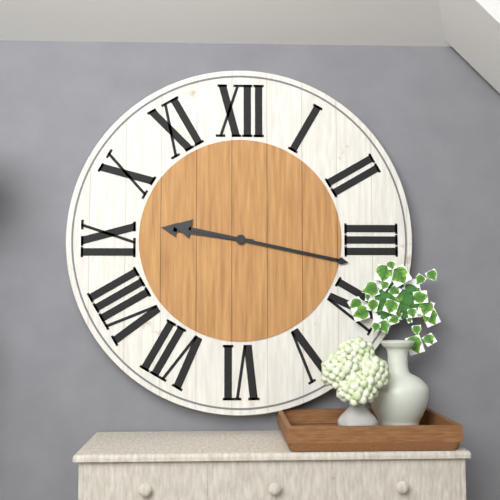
9,17
